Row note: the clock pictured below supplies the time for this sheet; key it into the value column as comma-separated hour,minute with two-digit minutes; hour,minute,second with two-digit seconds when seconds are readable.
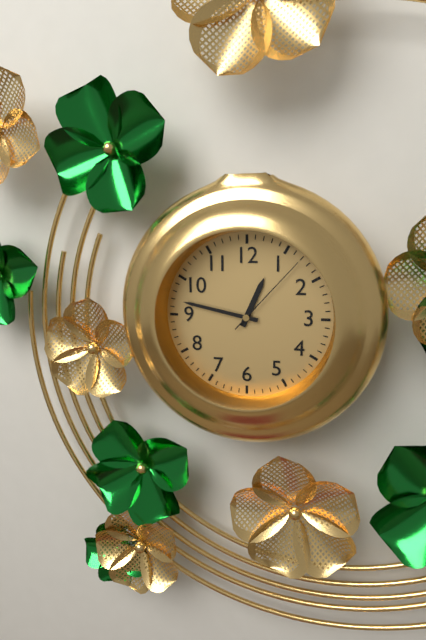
12,47,07
